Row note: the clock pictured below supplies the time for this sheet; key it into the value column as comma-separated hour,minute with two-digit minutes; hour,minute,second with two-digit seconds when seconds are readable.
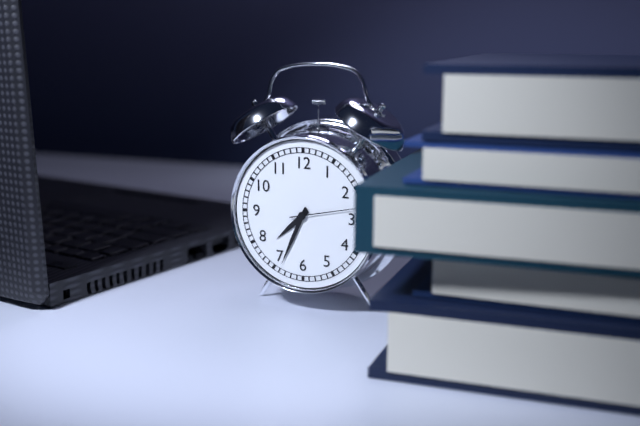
7,34,13
